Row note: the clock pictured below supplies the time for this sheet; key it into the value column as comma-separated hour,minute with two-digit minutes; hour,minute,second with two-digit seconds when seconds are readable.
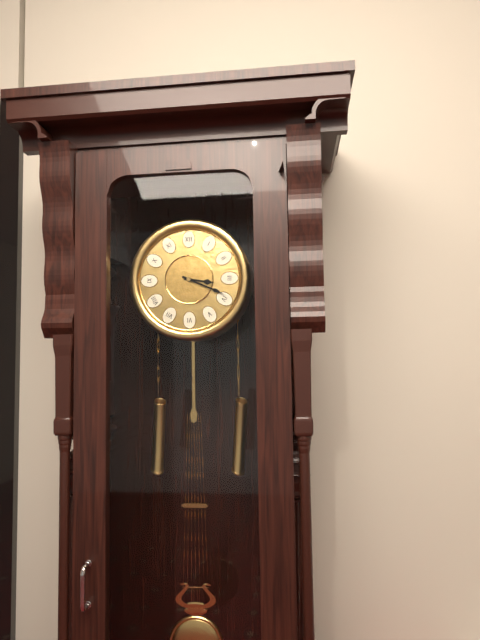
3,19
